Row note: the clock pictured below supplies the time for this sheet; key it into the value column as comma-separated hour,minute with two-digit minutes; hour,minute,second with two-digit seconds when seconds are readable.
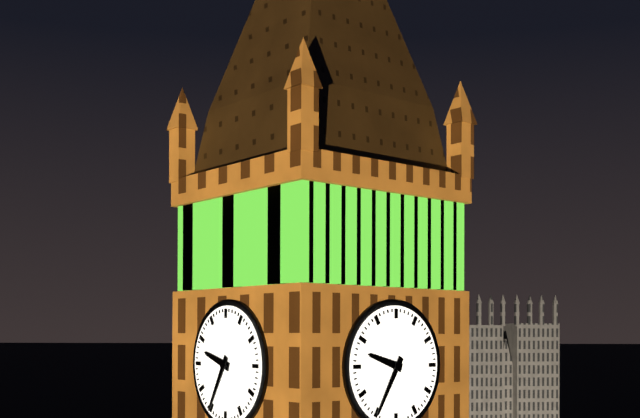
9,35
